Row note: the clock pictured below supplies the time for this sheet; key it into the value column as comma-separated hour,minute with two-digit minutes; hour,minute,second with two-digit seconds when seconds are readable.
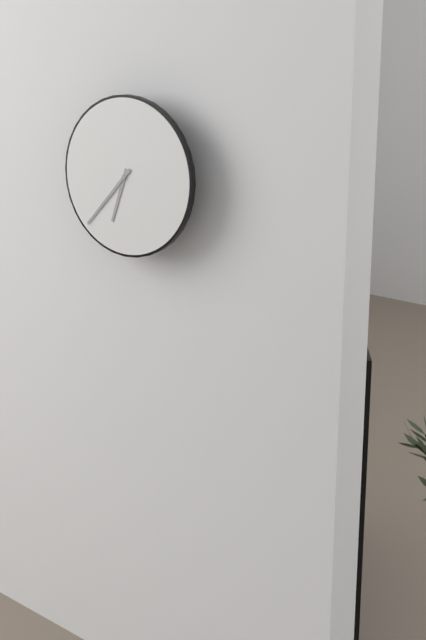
6,37
